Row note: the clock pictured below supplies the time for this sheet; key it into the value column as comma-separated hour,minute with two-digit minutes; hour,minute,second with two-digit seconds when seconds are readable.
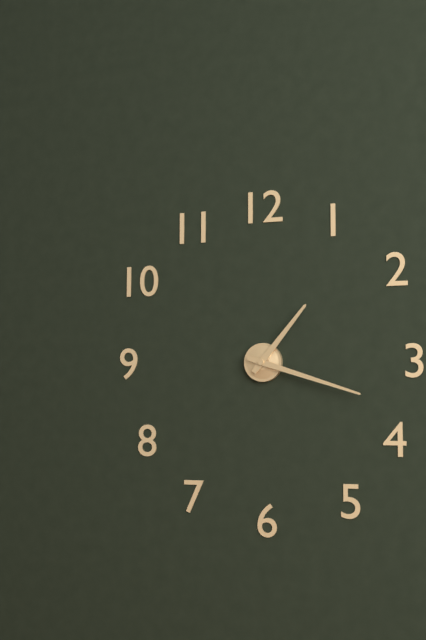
1,18
